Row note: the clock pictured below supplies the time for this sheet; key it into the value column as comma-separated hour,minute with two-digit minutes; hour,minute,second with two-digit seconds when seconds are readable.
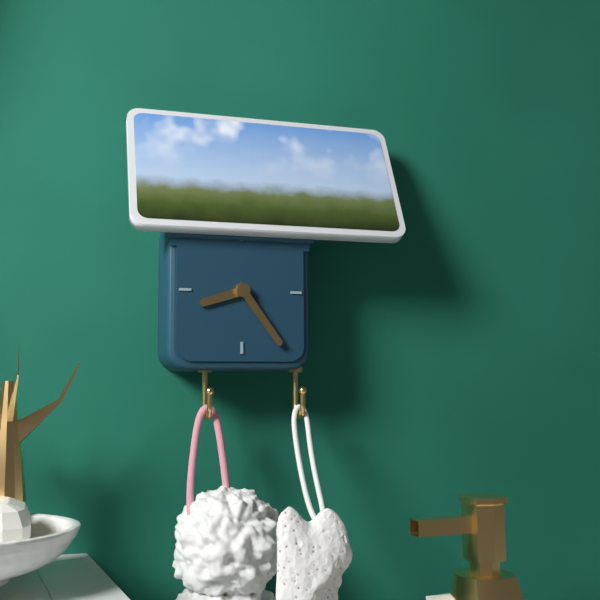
8,24
